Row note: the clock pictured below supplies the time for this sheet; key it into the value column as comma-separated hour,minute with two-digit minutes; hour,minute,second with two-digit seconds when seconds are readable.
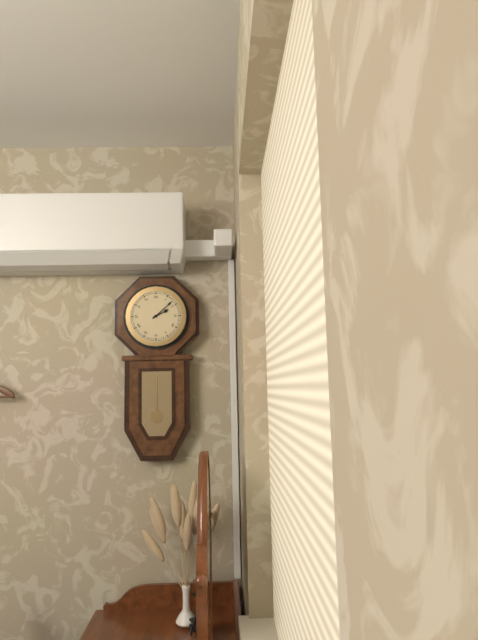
2,08
